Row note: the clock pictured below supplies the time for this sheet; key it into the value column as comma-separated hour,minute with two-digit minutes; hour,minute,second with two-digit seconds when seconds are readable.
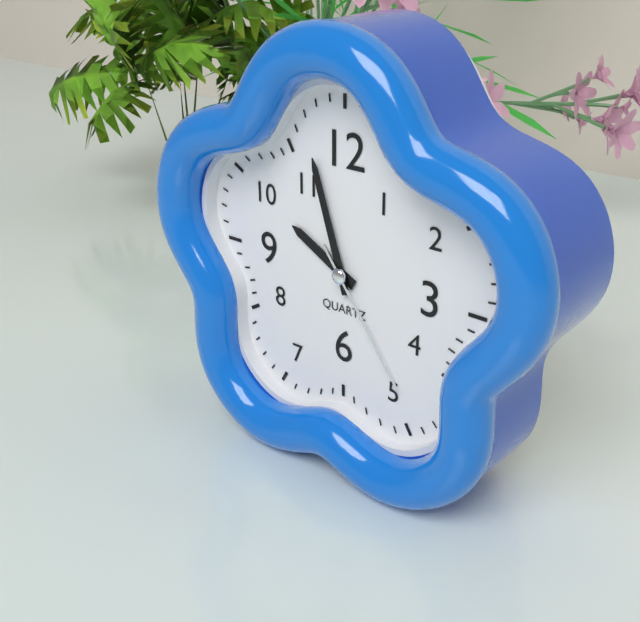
9,57,24
